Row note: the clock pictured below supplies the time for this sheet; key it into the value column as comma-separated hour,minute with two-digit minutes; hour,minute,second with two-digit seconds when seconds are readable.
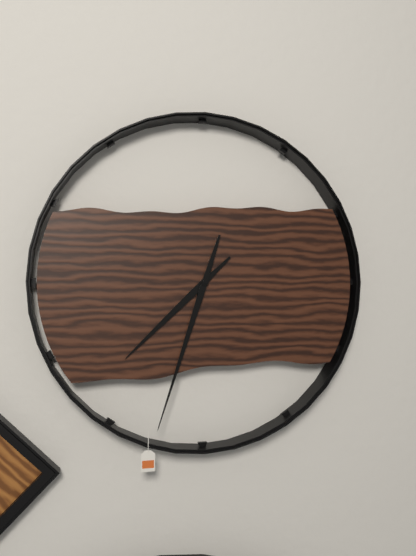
7,33
